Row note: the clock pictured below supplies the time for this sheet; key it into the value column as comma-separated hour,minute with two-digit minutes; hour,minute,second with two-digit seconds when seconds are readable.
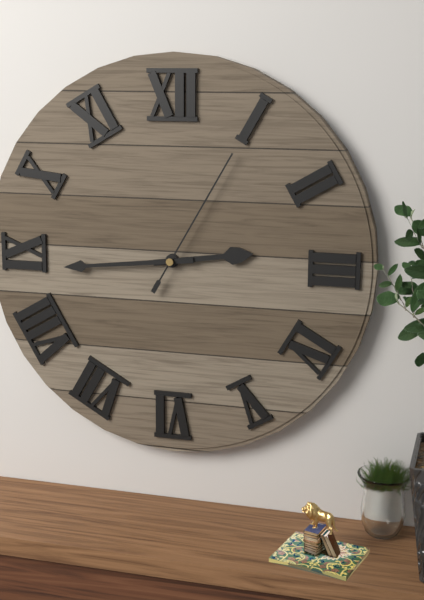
2,44,05
